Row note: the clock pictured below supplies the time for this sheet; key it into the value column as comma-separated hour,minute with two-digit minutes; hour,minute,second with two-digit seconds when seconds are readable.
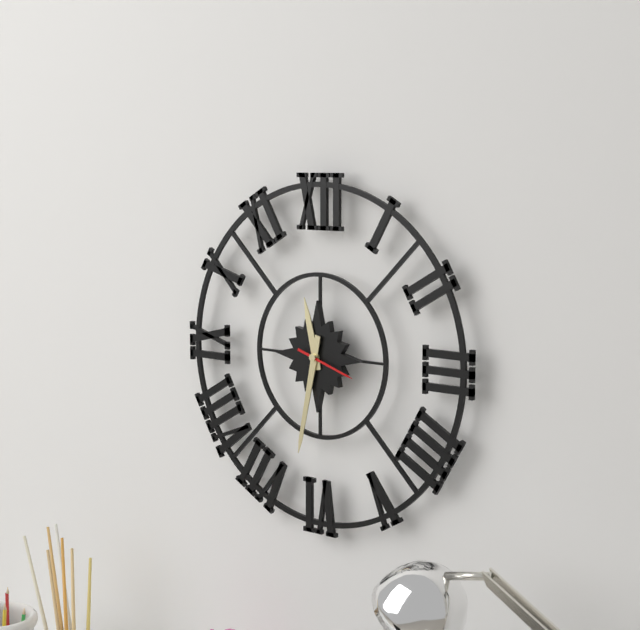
11,32
